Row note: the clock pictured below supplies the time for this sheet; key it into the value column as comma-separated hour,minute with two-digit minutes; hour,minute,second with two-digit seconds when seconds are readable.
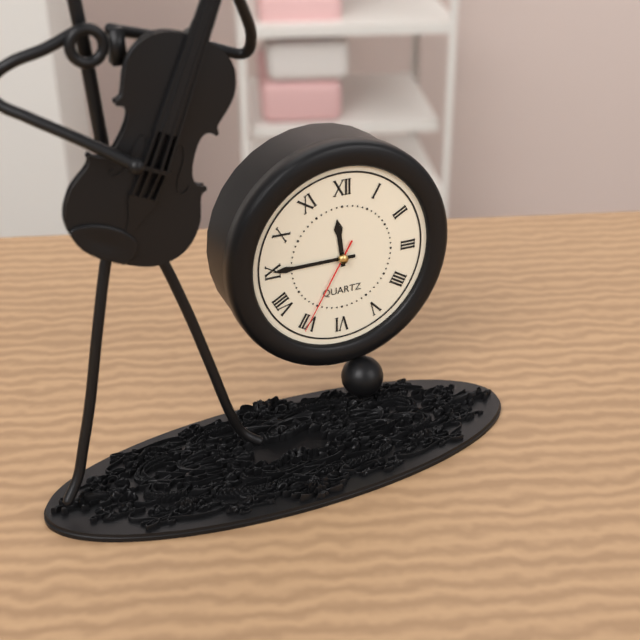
11,45,35
